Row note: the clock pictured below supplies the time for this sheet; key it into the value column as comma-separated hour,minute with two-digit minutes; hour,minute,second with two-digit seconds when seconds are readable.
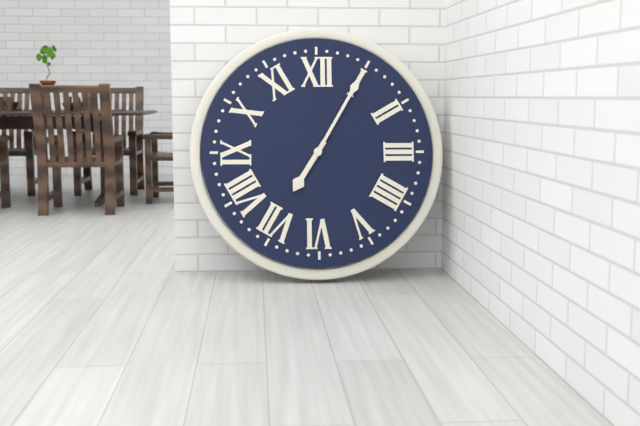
7,05
